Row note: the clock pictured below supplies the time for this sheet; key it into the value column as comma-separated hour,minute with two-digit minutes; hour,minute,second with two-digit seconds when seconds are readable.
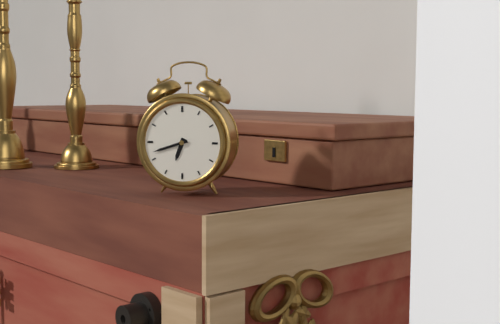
6,42
